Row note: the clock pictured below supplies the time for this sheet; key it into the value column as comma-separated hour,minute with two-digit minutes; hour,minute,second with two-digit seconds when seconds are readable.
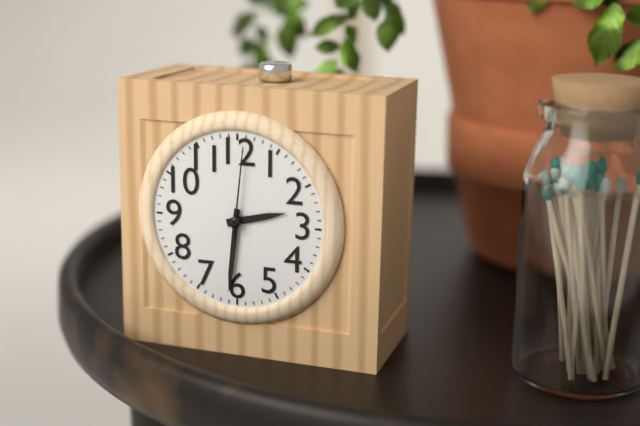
2,31,01
